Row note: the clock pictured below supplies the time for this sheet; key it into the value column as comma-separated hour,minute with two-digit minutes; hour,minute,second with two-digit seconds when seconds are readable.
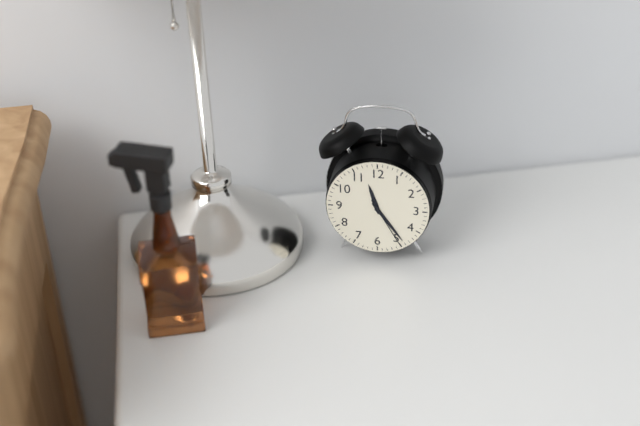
11,24,25
